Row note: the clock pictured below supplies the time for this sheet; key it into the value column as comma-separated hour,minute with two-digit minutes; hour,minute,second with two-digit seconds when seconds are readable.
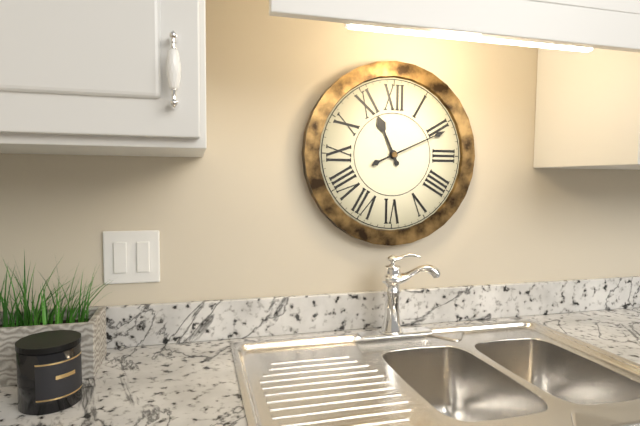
11,11
